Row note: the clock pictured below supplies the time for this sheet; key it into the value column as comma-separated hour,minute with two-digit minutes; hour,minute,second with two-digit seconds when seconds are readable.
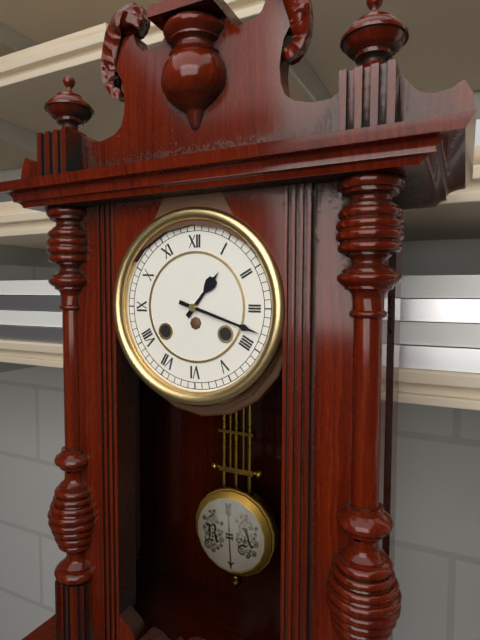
1,18
